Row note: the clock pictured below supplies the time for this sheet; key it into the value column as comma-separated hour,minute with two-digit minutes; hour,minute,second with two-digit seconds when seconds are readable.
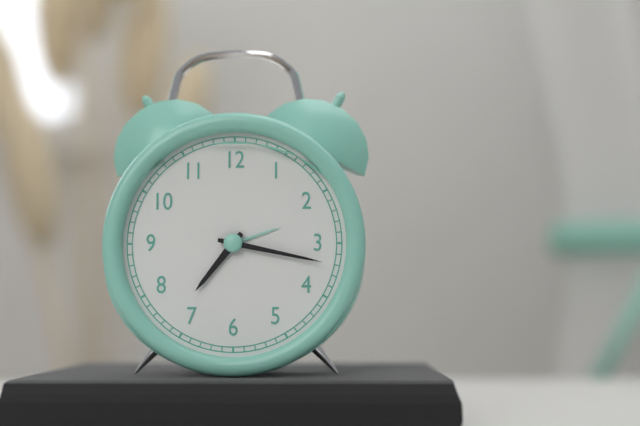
7,17
